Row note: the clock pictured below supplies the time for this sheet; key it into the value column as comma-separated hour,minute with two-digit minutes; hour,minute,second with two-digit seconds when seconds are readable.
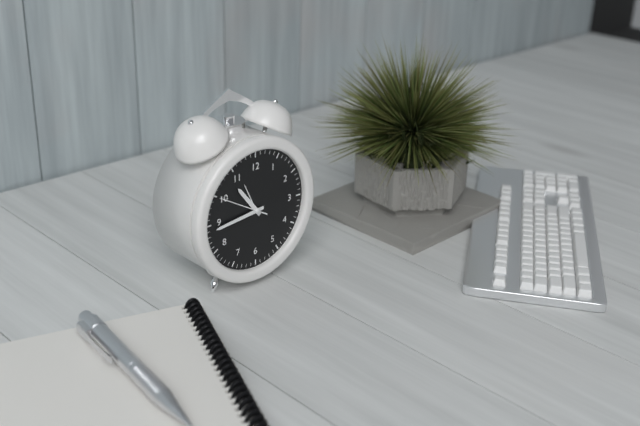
10,44
